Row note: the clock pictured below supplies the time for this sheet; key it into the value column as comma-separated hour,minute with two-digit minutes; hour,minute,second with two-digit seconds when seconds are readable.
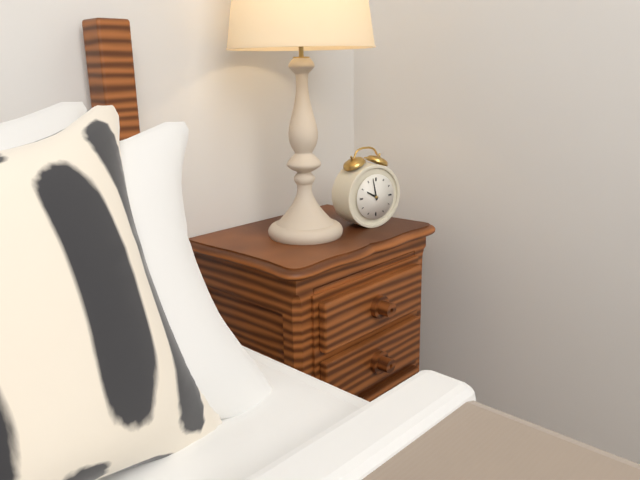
9,58
